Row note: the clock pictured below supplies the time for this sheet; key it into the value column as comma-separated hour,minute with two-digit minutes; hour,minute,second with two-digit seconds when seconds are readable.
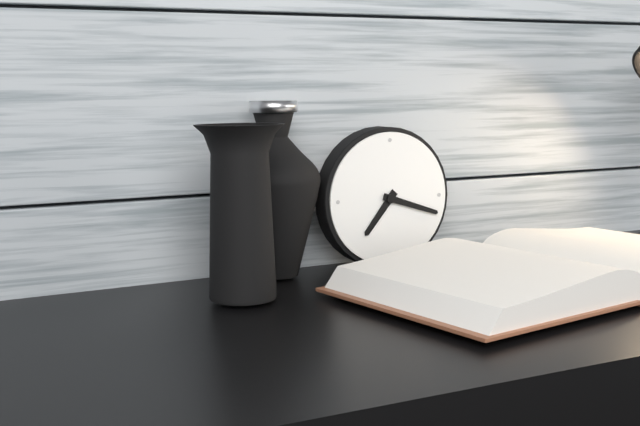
7,18
